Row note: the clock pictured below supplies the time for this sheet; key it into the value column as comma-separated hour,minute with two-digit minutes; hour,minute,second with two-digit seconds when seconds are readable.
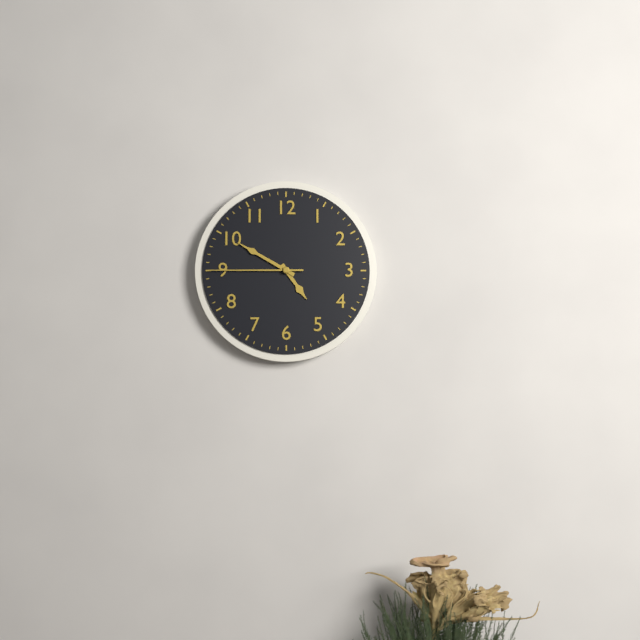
4,50,45
